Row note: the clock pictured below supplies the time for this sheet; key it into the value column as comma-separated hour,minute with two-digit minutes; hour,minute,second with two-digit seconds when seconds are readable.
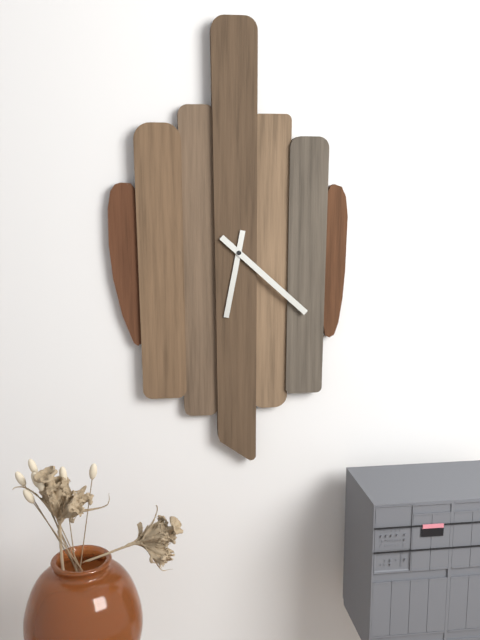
6,22
